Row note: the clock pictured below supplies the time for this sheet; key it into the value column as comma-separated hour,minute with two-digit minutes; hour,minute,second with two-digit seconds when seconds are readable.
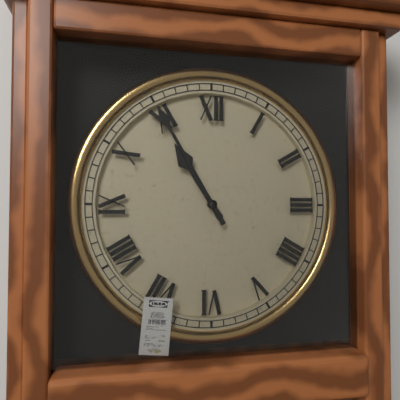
10,55
